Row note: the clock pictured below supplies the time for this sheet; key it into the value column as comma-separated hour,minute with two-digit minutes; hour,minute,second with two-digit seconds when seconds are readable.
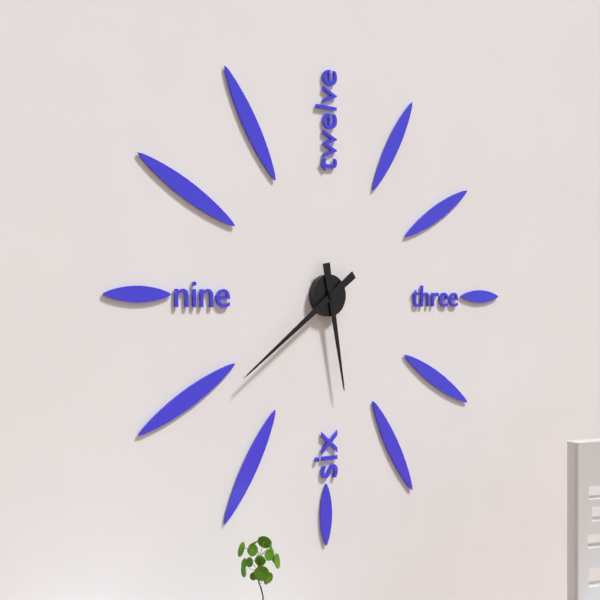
5,39
